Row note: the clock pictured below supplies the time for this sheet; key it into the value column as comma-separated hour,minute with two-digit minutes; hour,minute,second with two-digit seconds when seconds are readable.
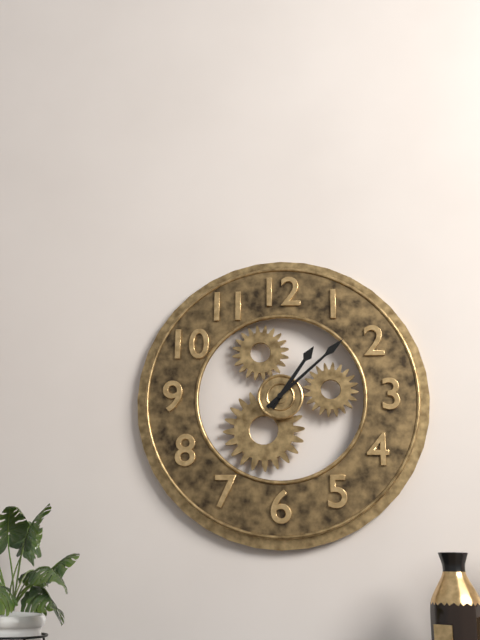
1,08
